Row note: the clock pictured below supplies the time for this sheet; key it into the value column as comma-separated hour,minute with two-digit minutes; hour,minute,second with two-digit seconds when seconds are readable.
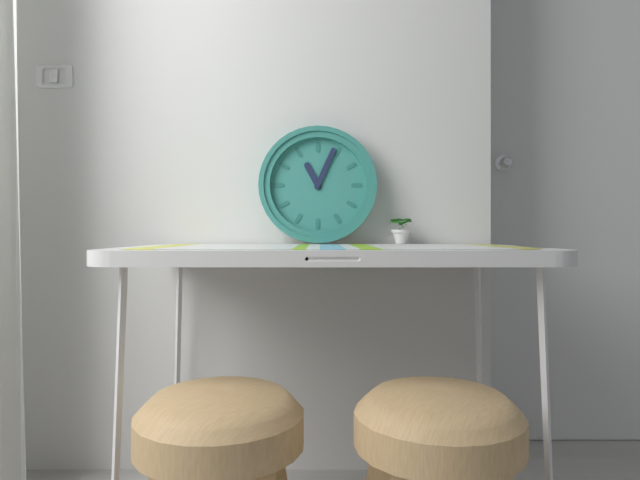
11,04
